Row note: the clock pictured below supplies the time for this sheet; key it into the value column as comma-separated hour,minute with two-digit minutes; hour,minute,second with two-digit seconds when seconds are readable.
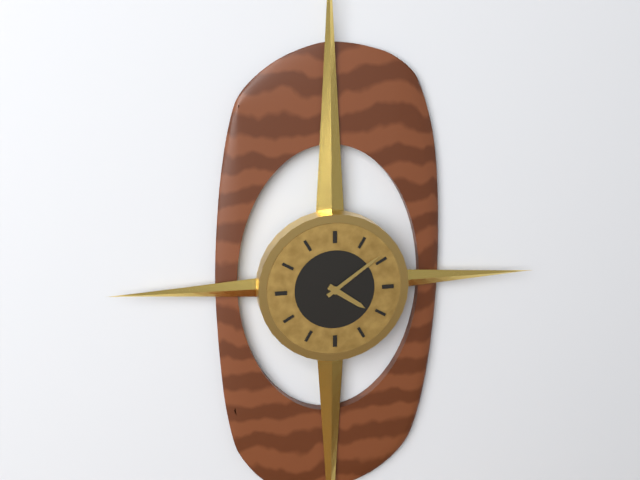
4,09
